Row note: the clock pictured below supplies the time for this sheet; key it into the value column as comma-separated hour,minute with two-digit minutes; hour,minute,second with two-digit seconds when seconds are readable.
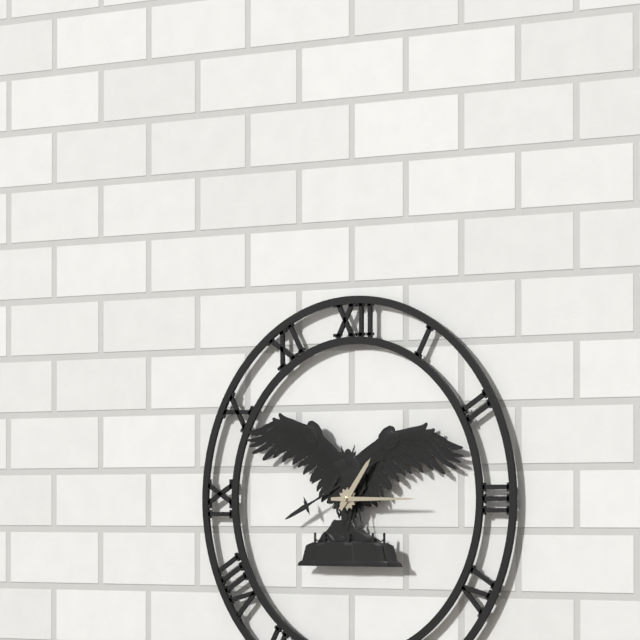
1,15
